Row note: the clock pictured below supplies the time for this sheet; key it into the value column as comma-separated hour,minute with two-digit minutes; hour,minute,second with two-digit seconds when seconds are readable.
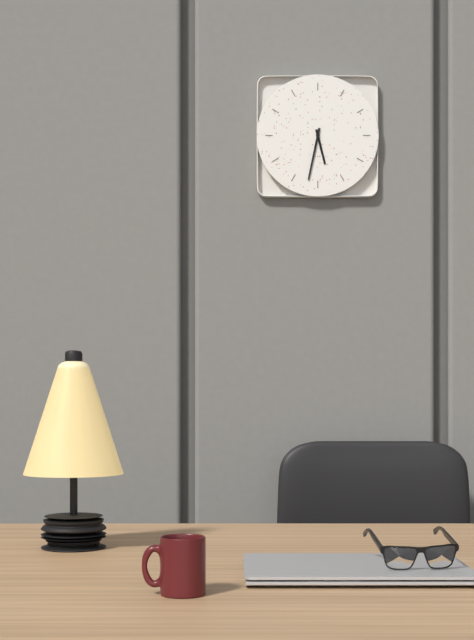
5,32
